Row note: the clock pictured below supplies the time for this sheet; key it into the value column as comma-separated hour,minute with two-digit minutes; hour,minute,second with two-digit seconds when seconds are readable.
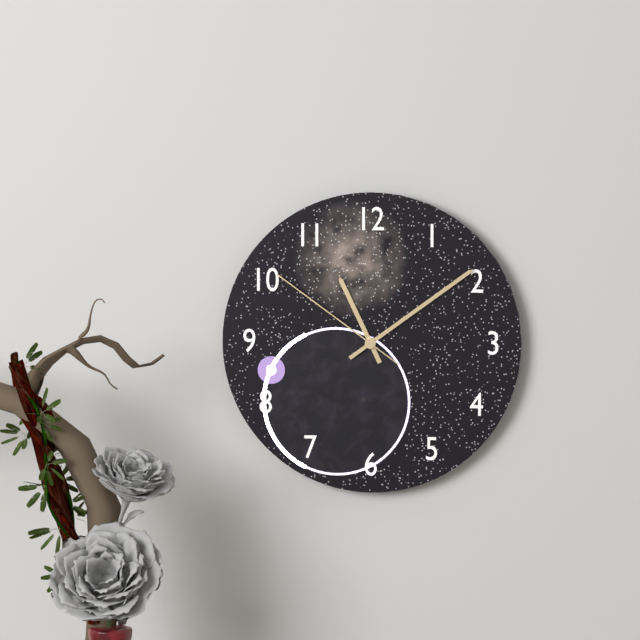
11,09,51
